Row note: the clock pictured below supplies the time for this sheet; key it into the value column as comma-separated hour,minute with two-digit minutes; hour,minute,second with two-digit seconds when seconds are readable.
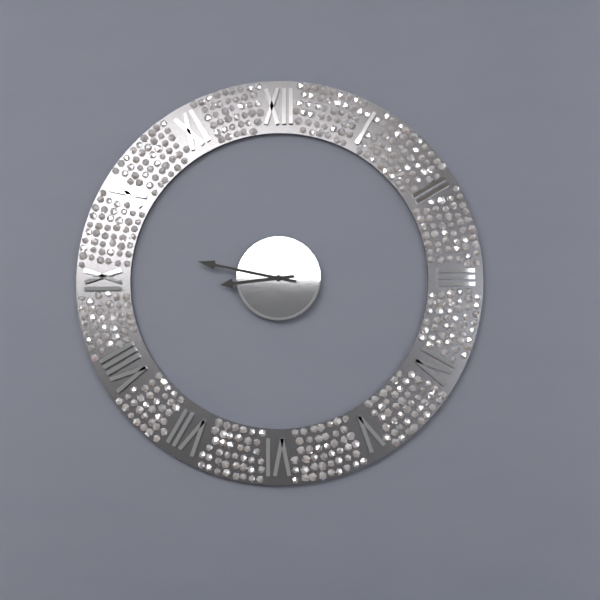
8,47
